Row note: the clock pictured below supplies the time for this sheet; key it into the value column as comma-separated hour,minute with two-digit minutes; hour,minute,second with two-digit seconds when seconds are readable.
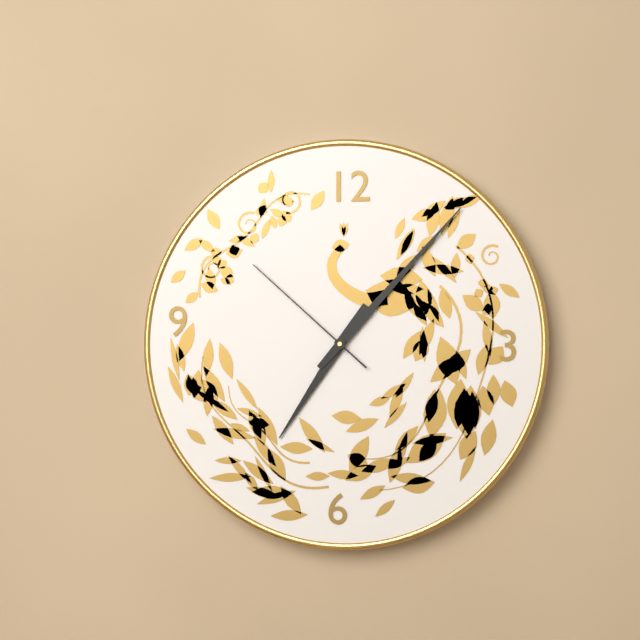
7,07,52
